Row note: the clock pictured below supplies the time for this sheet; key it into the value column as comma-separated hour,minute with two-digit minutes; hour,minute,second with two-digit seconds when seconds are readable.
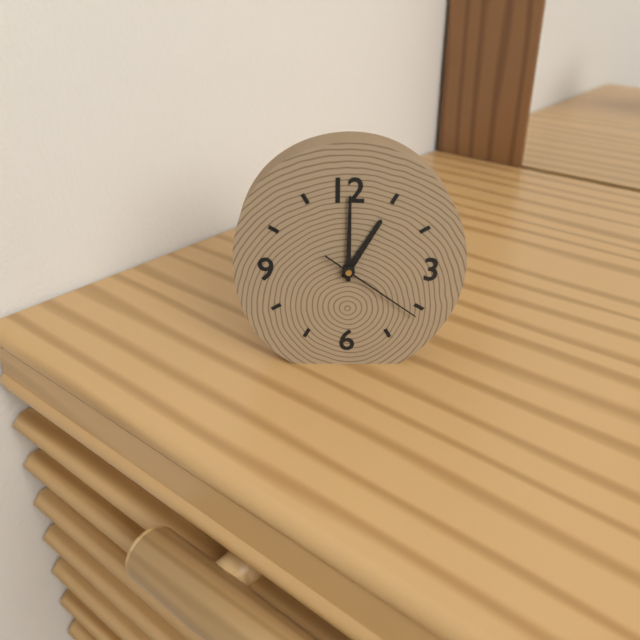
1,00,21
